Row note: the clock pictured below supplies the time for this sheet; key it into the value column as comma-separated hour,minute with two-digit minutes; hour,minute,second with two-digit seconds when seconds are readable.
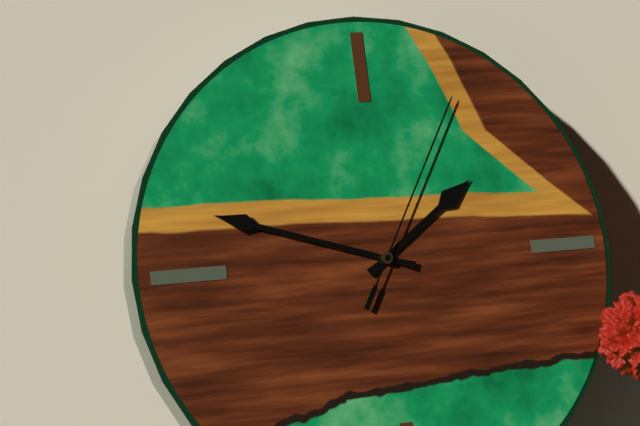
1,48,05
